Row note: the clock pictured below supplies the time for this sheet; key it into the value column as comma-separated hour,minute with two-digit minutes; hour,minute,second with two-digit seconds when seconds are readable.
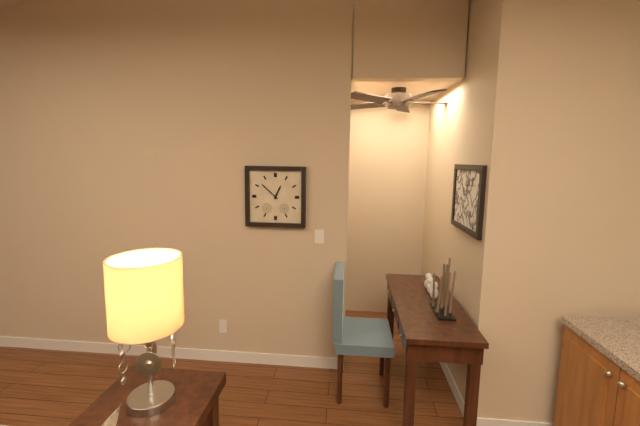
12,52
